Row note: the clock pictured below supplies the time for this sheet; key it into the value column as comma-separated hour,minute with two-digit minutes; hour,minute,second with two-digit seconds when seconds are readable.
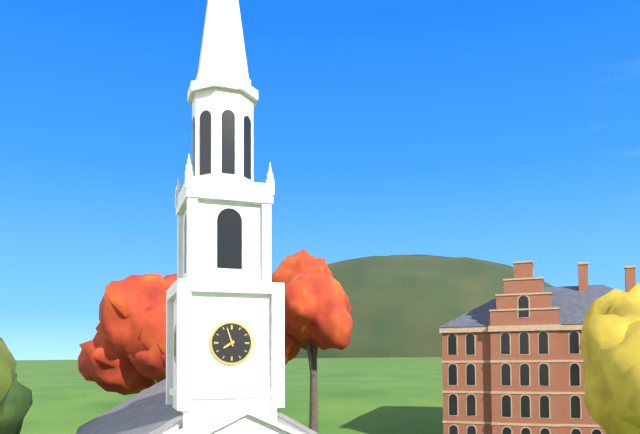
7,57
